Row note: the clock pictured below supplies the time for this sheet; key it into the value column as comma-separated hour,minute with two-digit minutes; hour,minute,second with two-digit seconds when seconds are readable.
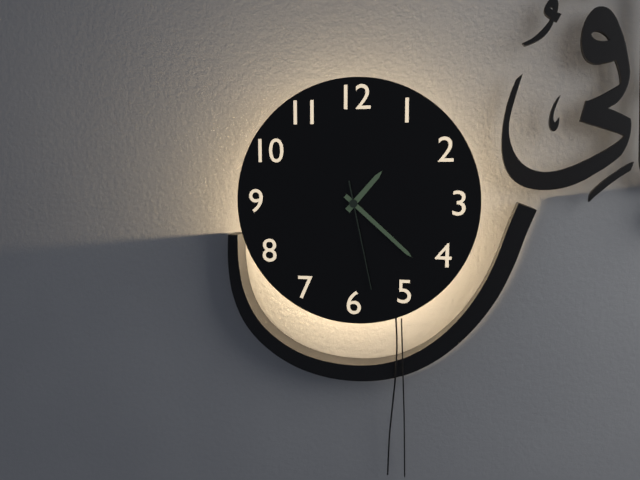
1,22,28
